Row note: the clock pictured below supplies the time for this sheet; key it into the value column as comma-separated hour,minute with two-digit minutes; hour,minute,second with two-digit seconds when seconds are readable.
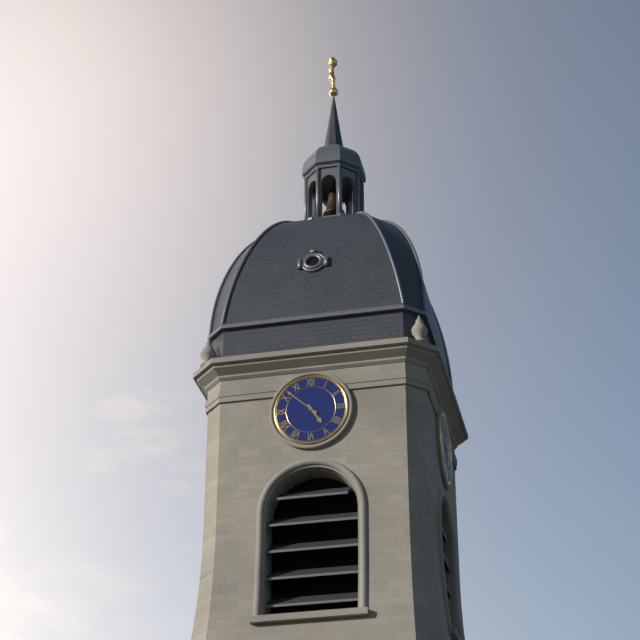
4,52
